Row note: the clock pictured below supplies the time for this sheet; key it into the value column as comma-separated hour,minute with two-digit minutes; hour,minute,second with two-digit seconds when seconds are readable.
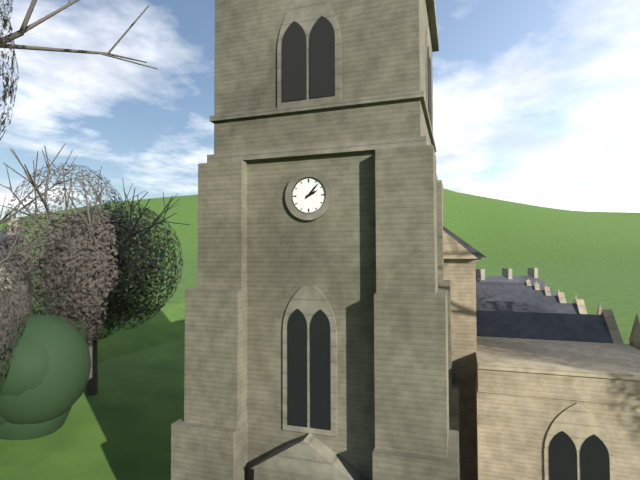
2,07
